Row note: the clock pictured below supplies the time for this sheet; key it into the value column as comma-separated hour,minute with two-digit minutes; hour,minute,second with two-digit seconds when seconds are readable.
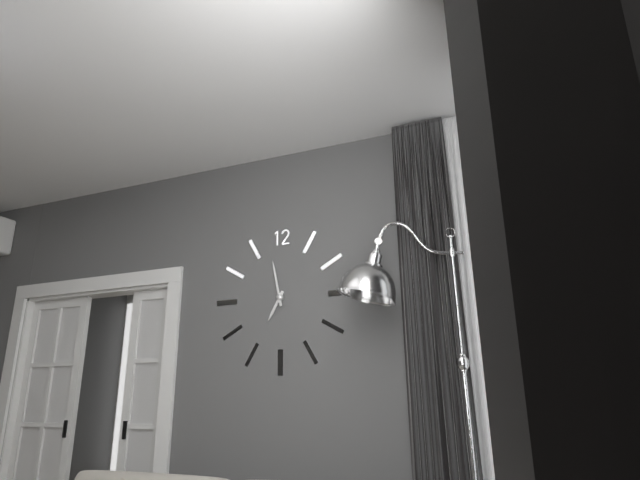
6,58
